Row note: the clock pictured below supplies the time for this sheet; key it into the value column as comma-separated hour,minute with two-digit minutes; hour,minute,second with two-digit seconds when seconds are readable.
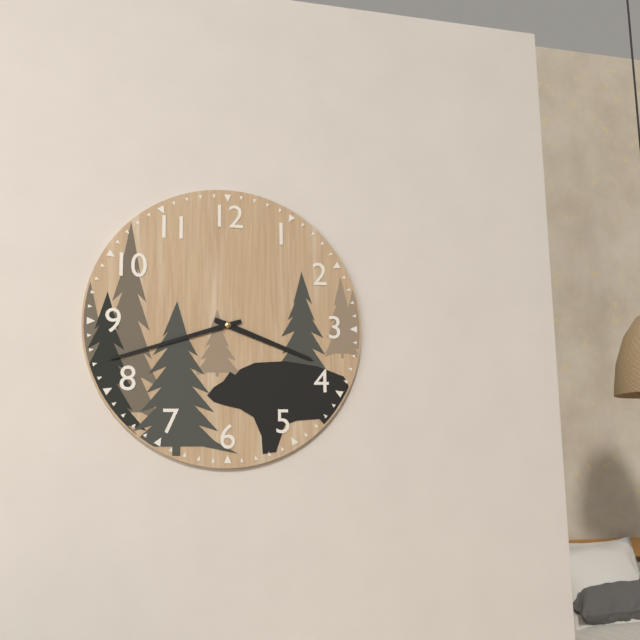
3,42
